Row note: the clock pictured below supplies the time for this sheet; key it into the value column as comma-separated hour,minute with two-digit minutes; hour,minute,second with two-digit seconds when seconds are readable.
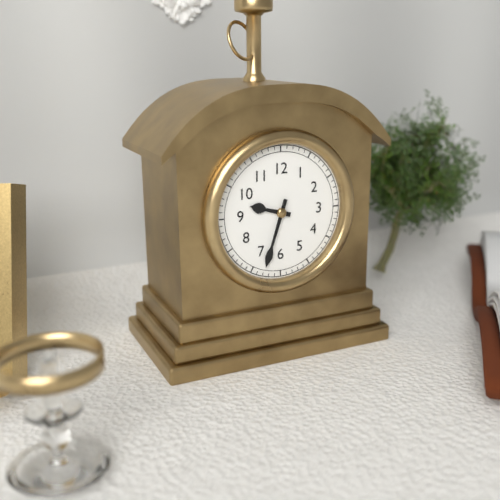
9,33
